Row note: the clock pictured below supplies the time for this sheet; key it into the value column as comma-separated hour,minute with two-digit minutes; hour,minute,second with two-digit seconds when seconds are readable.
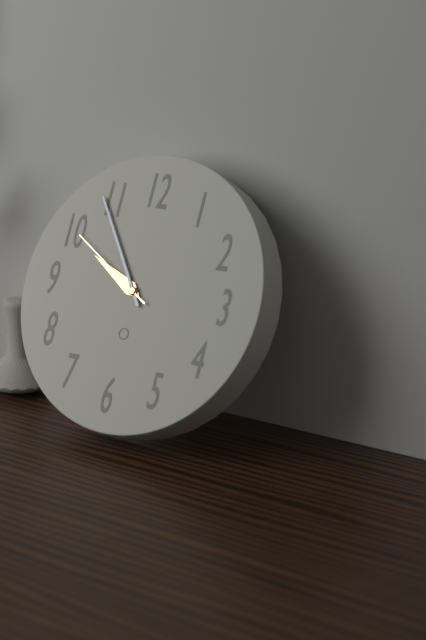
9,54,50
